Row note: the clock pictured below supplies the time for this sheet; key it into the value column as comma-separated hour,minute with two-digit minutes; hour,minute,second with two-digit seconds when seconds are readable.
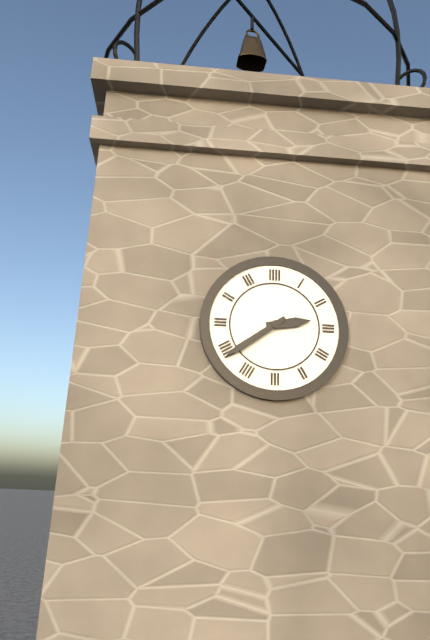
2,39
